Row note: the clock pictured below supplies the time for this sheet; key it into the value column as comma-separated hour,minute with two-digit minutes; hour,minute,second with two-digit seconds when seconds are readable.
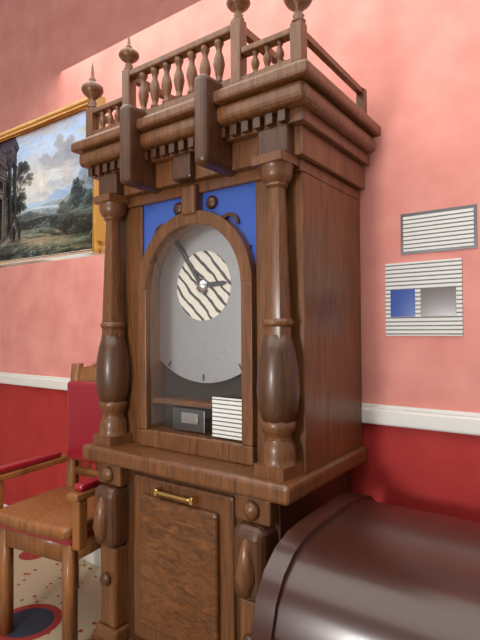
2,54
